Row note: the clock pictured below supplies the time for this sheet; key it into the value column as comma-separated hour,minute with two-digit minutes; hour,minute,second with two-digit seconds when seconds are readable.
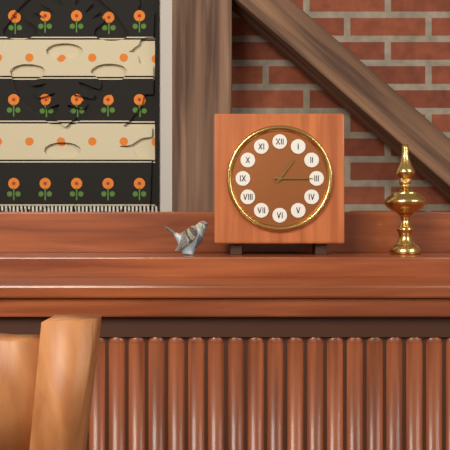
1,15
